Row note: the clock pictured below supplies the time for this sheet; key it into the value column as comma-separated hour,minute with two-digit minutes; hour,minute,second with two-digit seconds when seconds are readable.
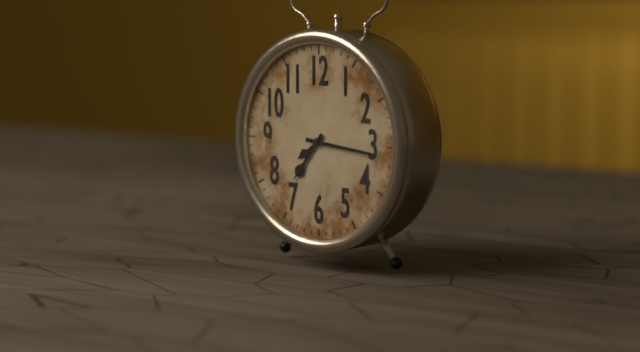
7,16
